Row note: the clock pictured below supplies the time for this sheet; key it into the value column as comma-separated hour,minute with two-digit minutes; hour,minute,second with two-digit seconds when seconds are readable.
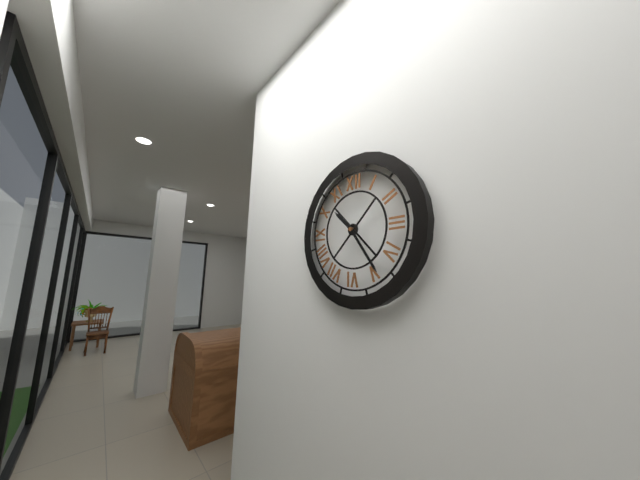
10,24
